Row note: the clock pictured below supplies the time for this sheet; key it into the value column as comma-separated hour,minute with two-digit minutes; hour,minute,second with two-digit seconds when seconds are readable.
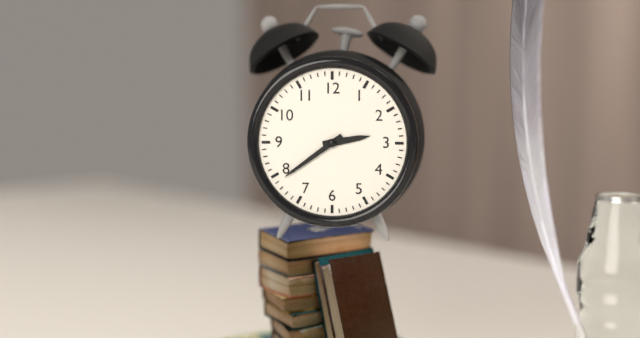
2,39
